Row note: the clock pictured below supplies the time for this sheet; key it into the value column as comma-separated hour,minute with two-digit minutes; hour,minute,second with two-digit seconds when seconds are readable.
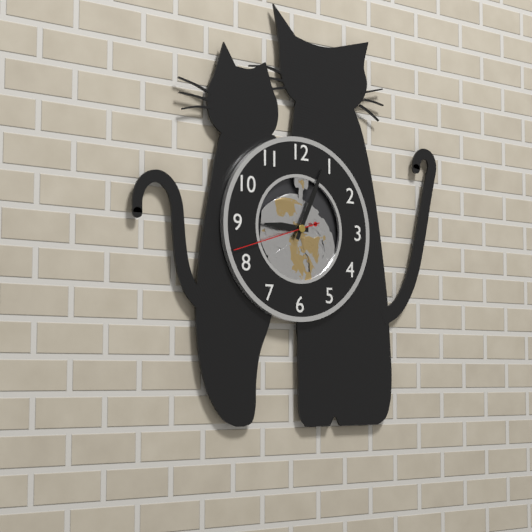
9,04,42
